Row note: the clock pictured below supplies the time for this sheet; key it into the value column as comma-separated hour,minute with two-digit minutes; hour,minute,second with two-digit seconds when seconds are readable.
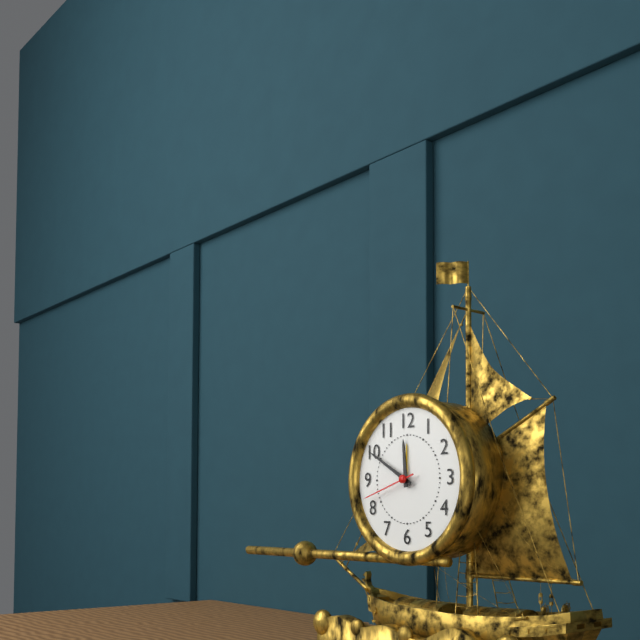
11,50,42
